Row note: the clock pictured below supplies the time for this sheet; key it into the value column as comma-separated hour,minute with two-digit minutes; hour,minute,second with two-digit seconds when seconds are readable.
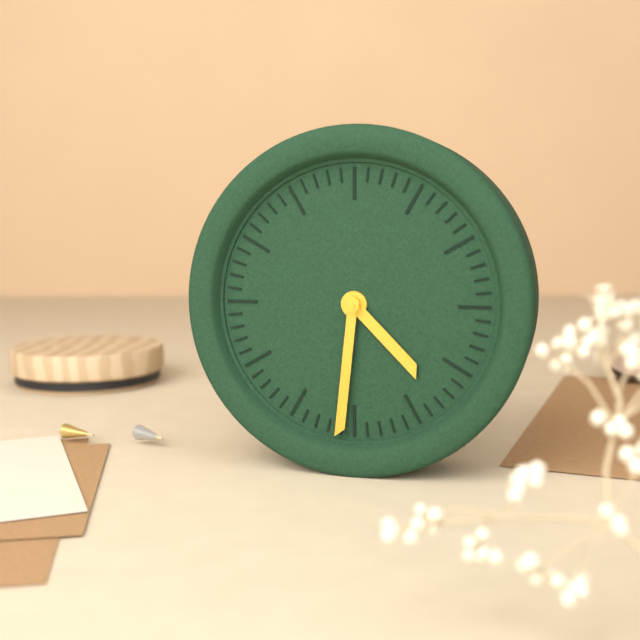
4,31
